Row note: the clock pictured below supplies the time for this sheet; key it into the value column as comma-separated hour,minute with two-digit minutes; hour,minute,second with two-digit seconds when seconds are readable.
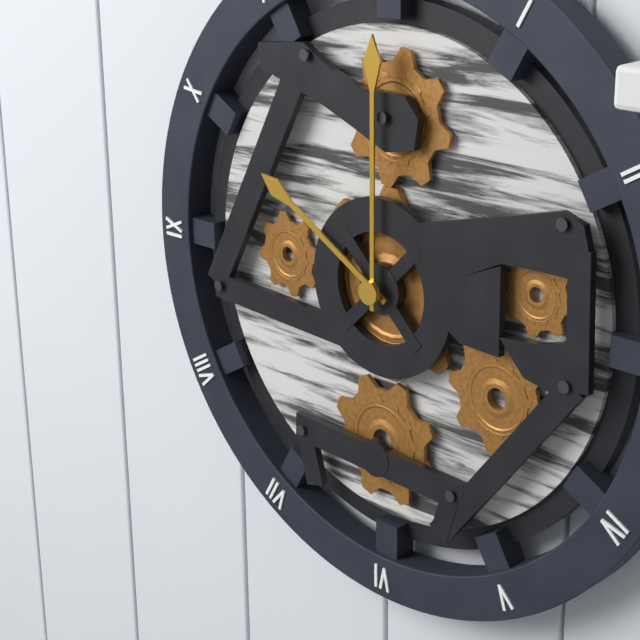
10,00
